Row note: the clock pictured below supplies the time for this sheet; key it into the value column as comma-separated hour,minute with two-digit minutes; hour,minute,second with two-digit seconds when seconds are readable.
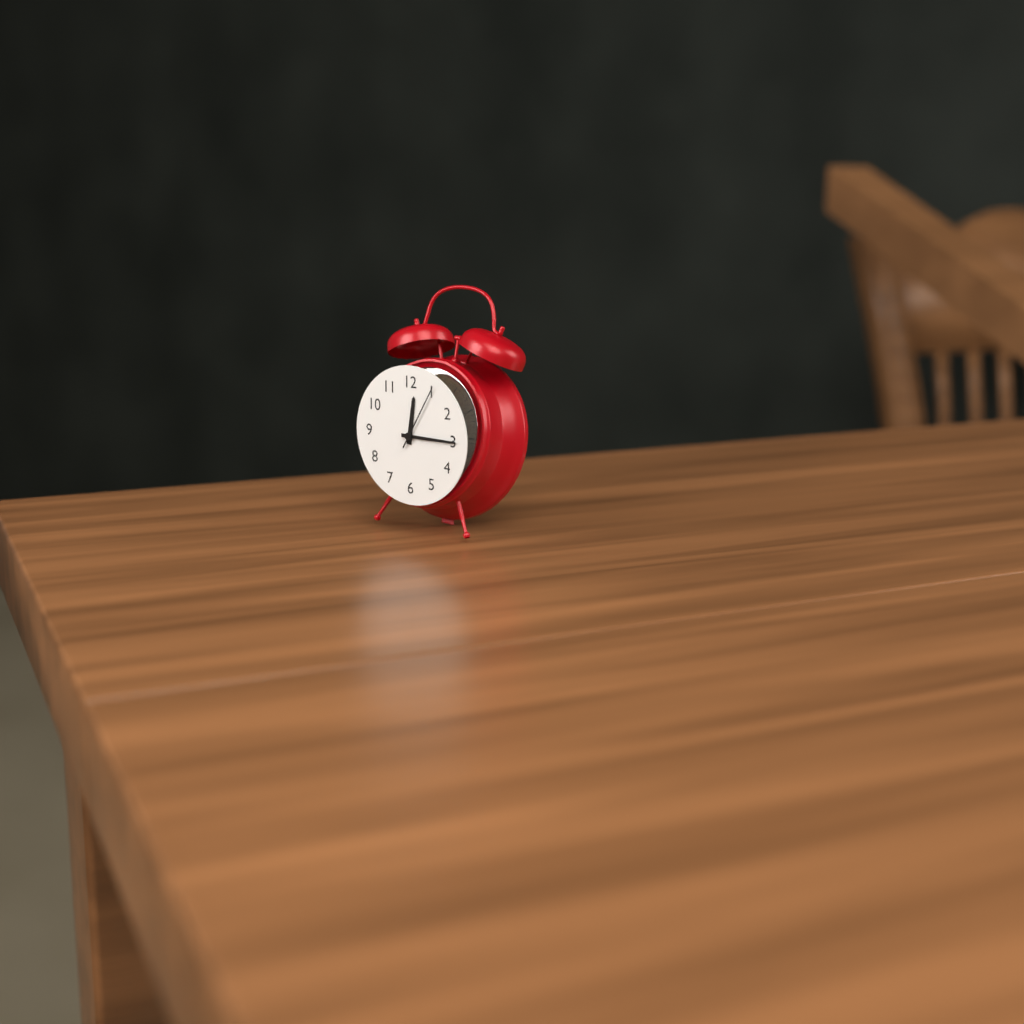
12,15,05
